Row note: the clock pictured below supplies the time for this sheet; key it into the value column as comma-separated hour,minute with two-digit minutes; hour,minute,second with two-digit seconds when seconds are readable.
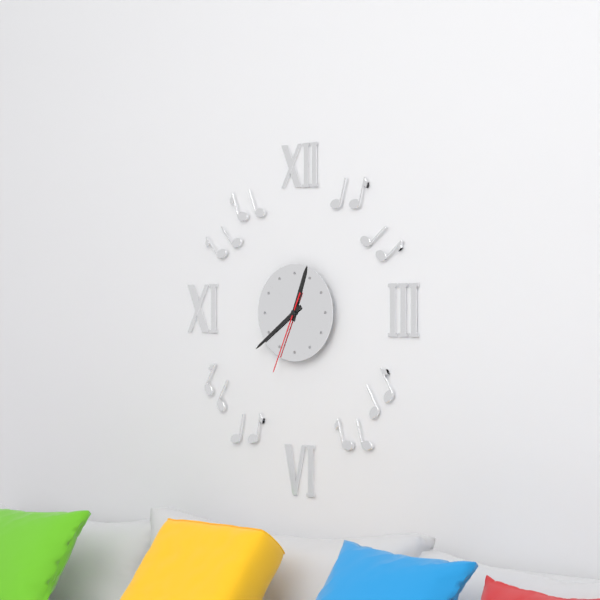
12,39,34
